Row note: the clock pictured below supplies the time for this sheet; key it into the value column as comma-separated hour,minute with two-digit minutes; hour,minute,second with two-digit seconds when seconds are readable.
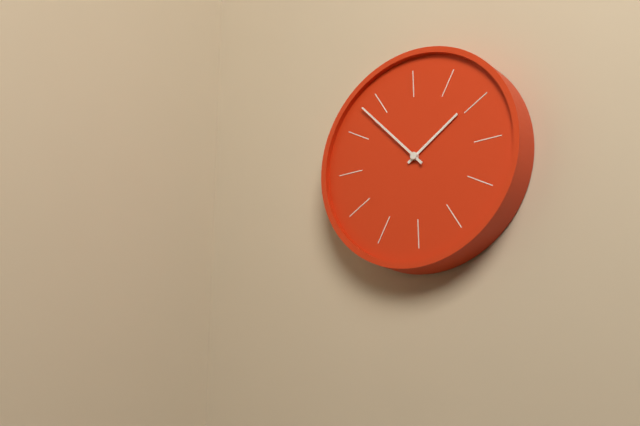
1,53
